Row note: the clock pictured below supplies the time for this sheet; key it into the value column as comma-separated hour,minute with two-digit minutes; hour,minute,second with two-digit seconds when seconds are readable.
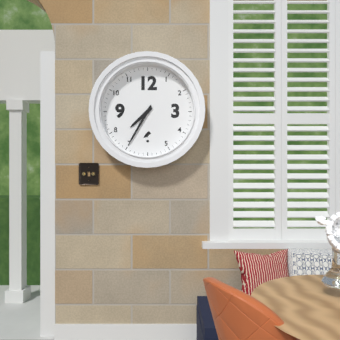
7,35
